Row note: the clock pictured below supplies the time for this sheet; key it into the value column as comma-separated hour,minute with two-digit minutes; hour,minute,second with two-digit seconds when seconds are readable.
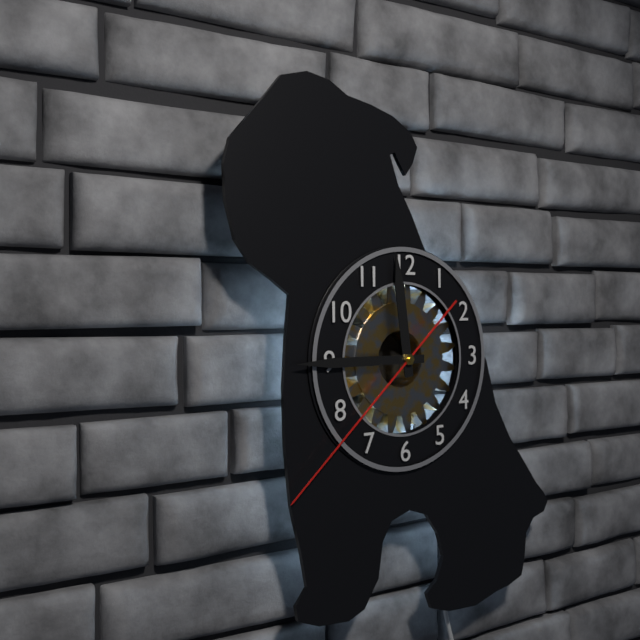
11,45,38
